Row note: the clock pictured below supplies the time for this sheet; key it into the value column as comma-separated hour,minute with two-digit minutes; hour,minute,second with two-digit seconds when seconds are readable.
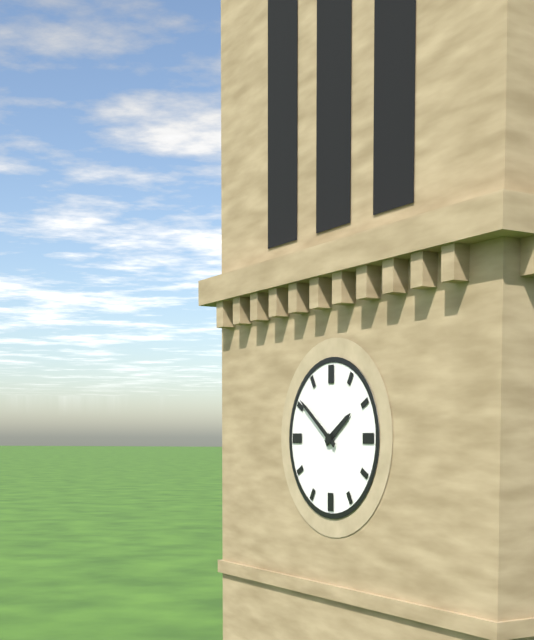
1,51
